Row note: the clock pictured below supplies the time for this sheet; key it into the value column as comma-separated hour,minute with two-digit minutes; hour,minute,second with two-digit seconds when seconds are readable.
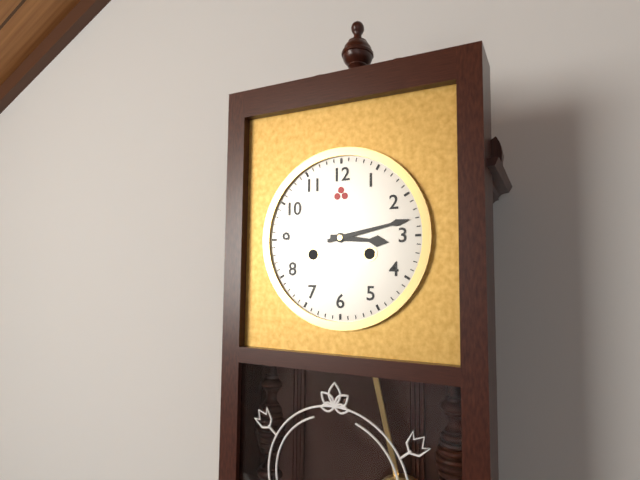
3,13
